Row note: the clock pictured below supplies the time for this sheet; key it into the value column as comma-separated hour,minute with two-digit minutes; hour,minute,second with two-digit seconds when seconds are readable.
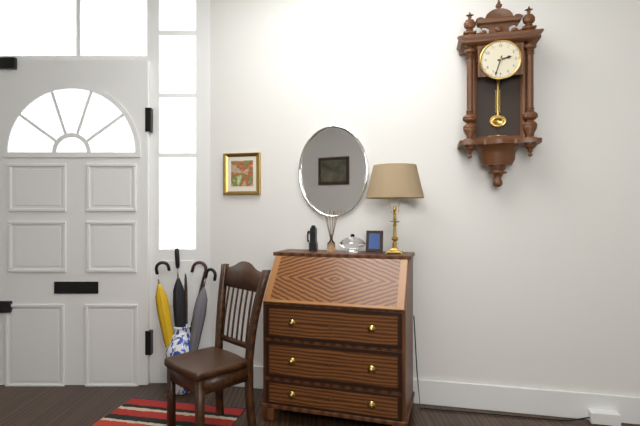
2,33
